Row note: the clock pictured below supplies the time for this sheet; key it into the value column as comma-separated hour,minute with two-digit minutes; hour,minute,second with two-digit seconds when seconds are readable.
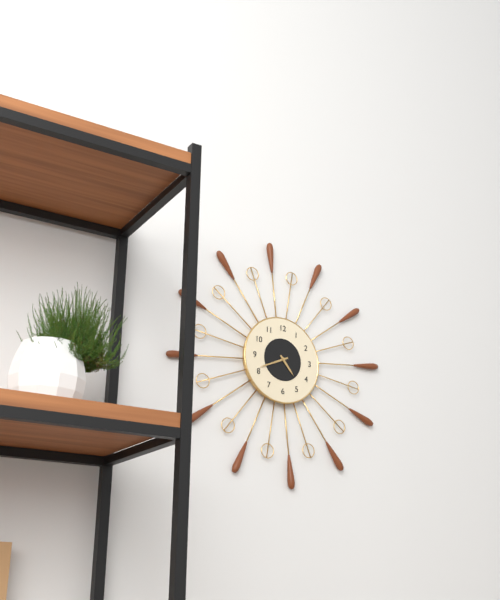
4,41
